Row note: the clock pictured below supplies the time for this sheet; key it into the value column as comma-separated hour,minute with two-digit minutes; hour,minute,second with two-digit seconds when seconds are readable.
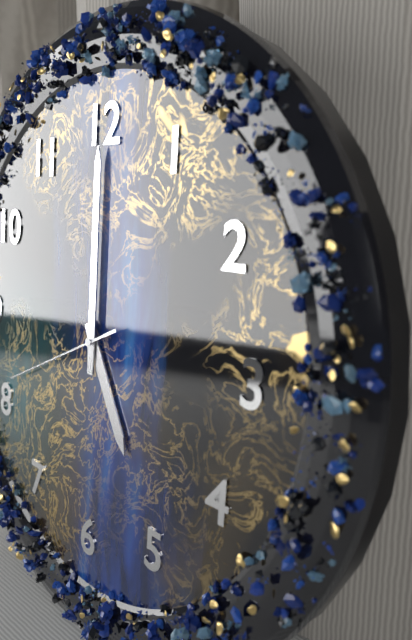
5,00,41
